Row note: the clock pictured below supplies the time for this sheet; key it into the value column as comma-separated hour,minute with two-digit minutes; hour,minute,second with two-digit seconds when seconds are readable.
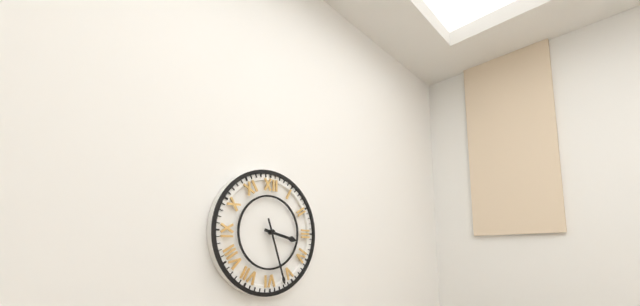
3,27
